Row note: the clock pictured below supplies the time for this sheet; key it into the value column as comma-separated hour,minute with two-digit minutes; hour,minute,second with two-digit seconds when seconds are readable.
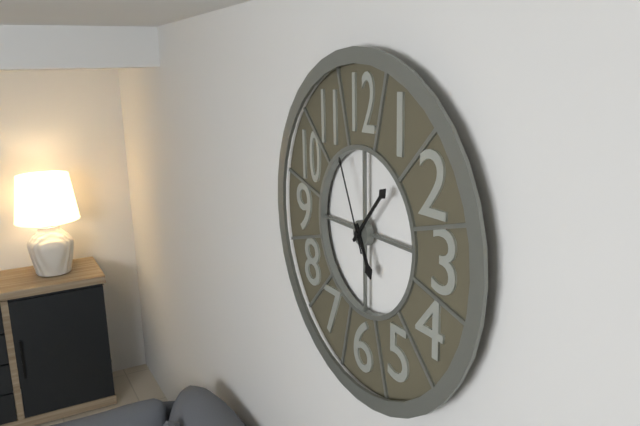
5,07,56
